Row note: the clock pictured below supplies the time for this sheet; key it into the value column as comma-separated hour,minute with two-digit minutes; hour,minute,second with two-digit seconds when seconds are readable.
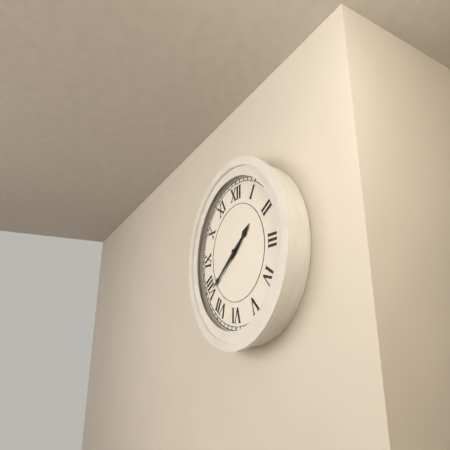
1,39
